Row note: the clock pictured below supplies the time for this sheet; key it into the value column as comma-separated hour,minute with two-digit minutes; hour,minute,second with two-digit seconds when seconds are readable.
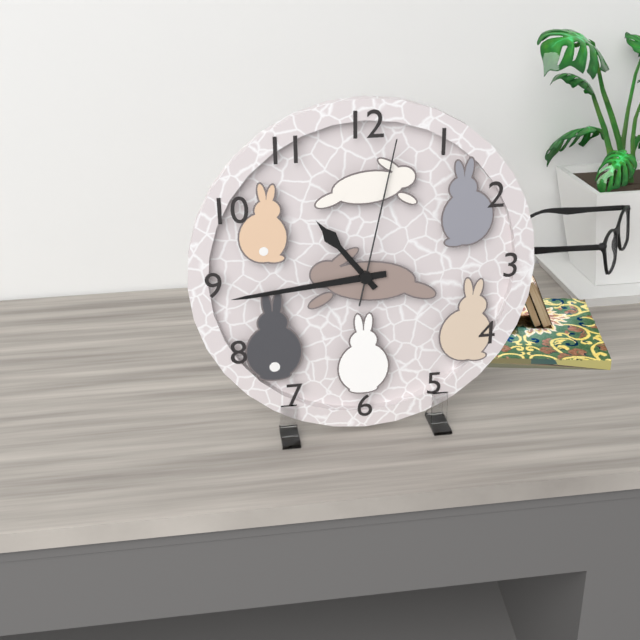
10,44,02
